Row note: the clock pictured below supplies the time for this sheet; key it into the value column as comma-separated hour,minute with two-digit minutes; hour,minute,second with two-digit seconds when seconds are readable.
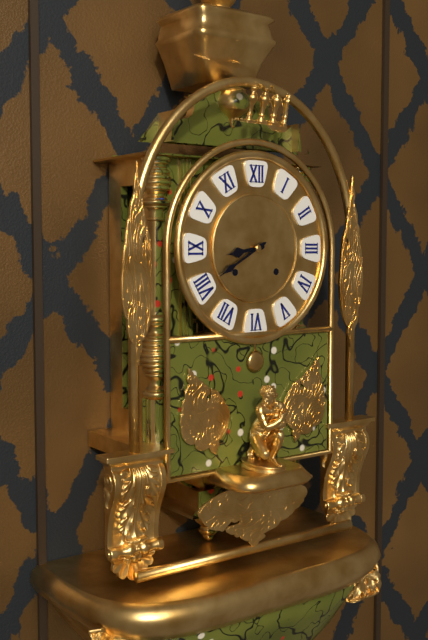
8,40
